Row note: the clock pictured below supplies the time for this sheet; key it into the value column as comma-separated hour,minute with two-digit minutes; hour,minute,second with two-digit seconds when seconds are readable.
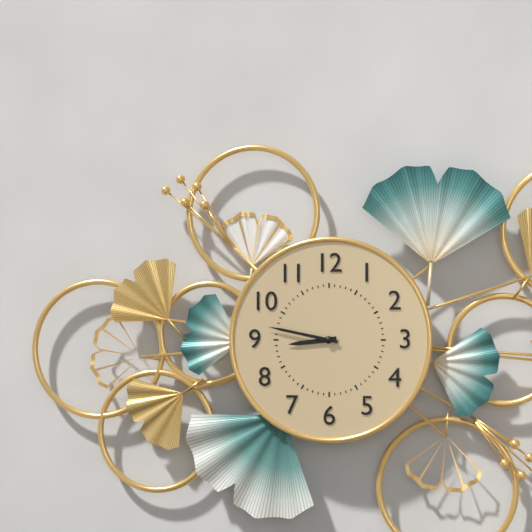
8,47
